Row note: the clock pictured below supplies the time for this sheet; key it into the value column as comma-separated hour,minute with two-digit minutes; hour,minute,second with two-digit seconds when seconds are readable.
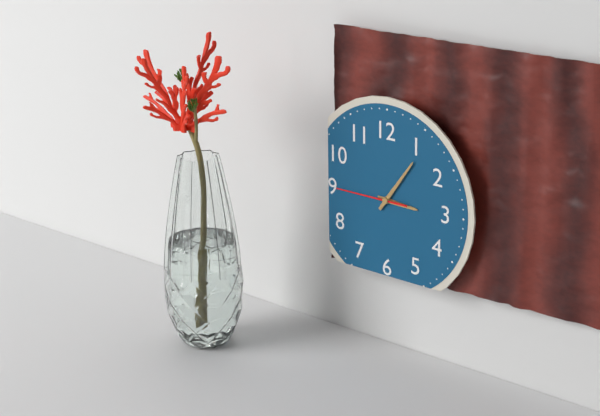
3,06,45
